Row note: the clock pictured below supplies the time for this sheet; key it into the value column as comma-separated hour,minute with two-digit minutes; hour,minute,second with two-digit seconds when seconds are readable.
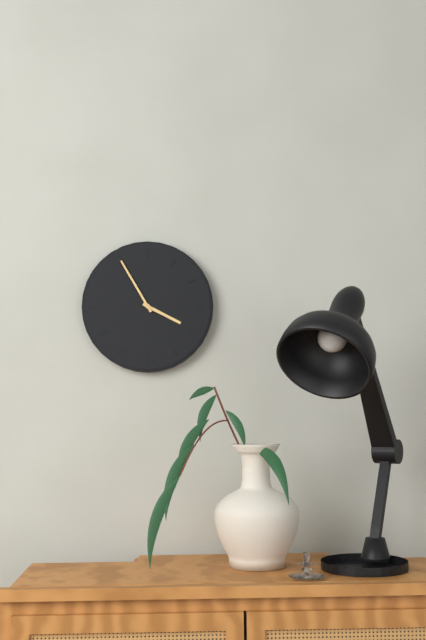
3,55
